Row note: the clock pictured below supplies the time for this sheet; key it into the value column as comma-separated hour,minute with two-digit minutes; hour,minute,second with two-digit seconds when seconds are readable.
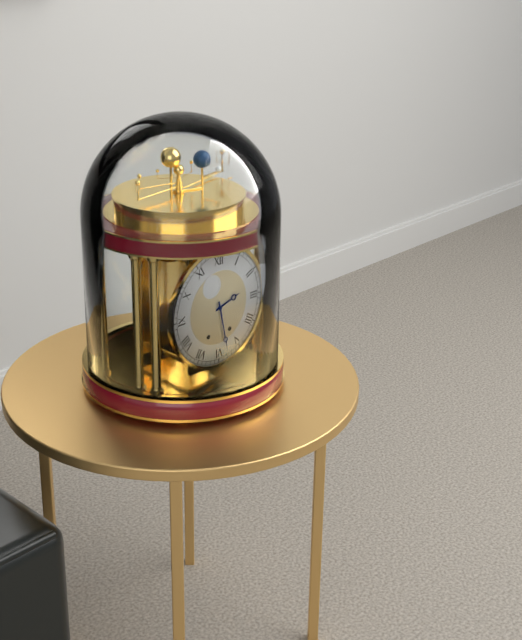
2,28
